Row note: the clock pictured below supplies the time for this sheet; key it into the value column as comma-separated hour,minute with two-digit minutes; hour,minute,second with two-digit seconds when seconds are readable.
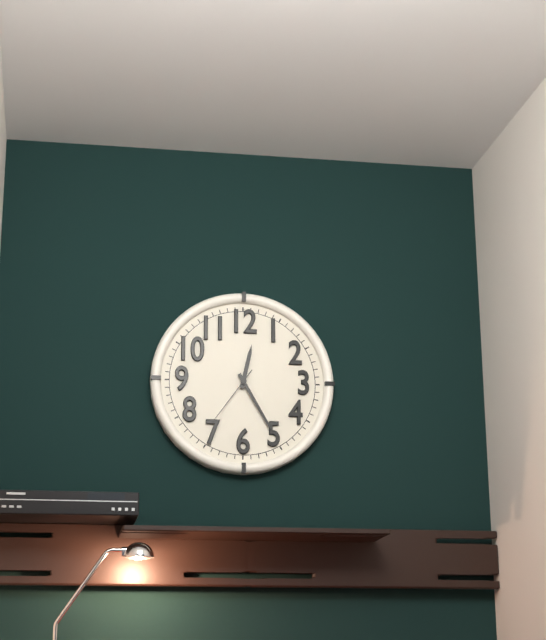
12,25,36
